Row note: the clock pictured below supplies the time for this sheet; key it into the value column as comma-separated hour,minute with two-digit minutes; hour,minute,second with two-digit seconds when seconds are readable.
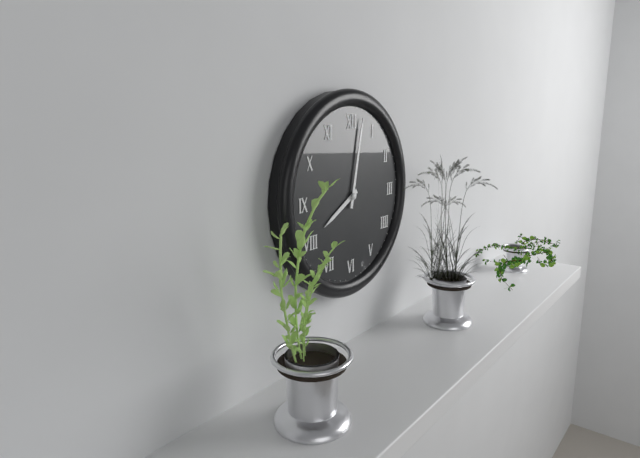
8,02
